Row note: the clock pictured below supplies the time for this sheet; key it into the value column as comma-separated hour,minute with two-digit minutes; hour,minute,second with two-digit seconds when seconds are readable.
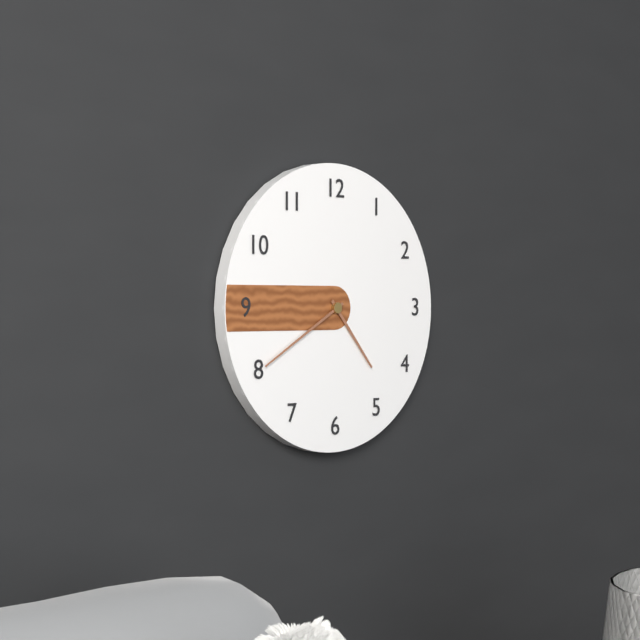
4,40
